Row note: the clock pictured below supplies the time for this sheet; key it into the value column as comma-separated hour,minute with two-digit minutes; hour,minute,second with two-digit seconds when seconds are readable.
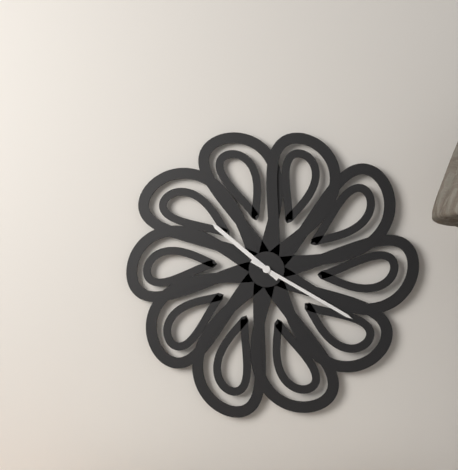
10,20
